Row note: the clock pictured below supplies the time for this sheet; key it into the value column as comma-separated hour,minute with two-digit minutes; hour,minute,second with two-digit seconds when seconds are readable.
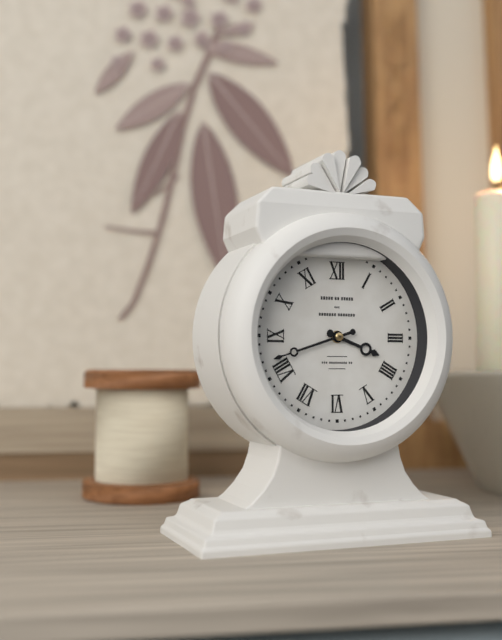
3,42
